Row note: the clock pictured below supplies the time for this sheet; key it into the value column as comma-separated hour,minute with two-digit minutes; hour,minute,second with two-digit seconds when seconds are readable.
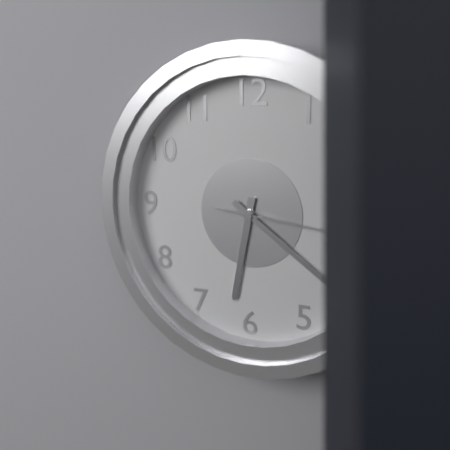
6,21
